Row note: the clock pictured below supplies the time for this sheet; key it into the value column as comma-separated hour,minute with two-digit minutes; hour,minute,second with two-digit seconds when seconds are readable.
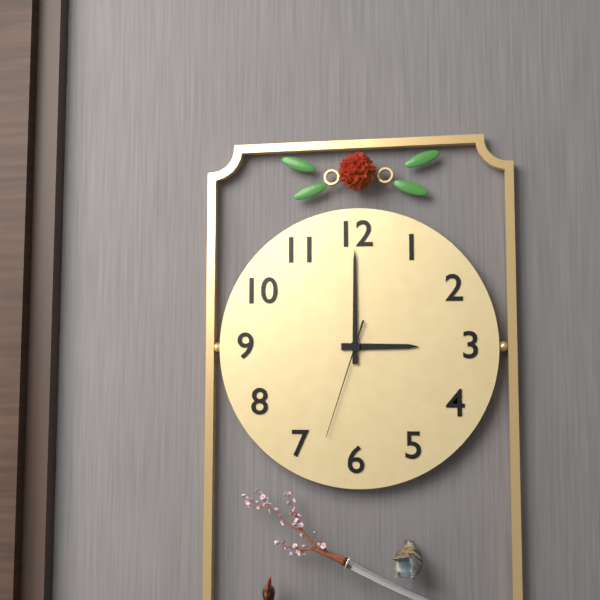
3,00,33
